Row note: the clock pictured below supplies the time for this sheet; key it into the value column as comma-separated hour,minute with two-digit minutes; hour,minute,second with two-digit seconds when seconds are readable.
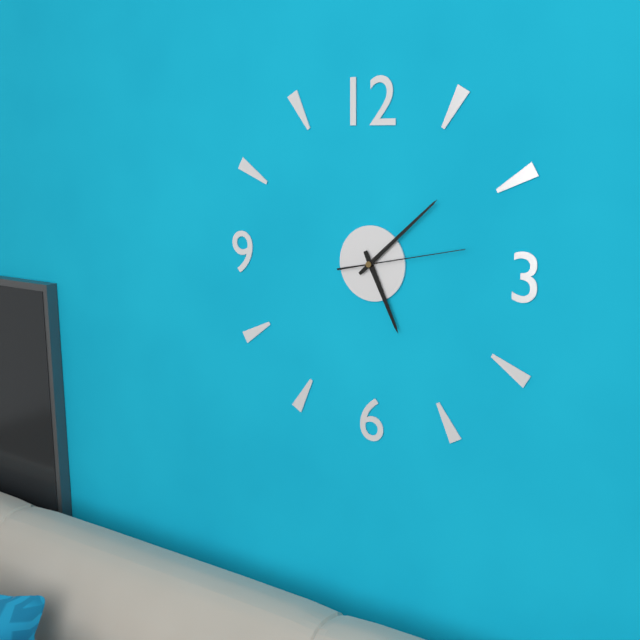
5,08,13
